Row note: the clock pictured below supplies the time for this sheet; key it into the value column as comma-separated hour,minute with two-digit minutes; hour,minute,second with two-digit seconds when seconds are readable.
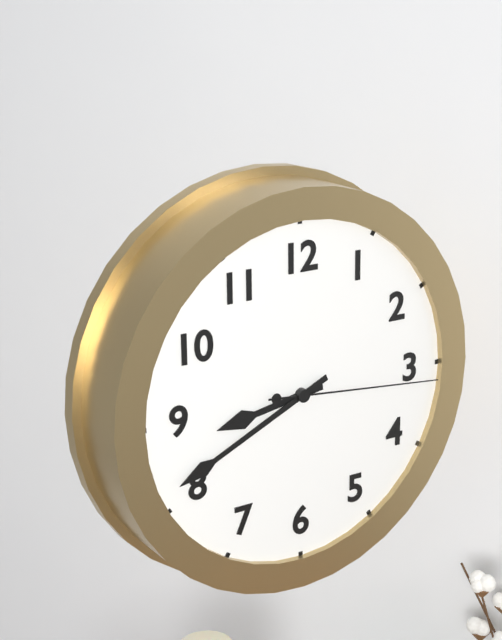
8,41,16
